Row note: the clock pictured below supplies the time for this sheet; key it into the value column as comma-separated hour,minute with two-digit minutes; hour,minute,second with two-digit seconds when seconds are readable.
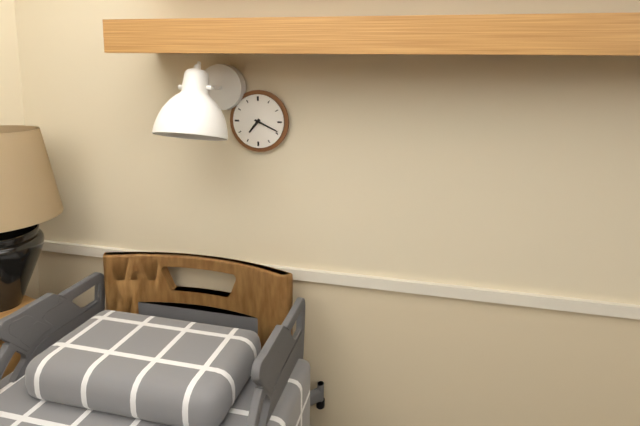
7,19
